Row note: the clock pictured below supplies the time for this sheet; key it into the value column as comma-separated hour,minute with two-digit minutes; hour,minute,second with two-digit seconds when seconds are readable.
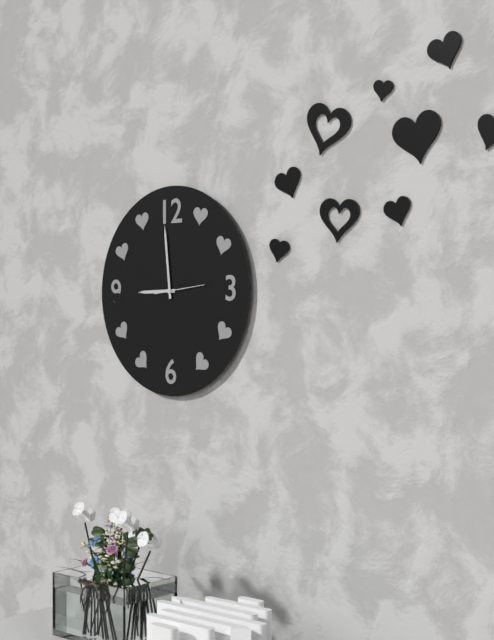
8,59
